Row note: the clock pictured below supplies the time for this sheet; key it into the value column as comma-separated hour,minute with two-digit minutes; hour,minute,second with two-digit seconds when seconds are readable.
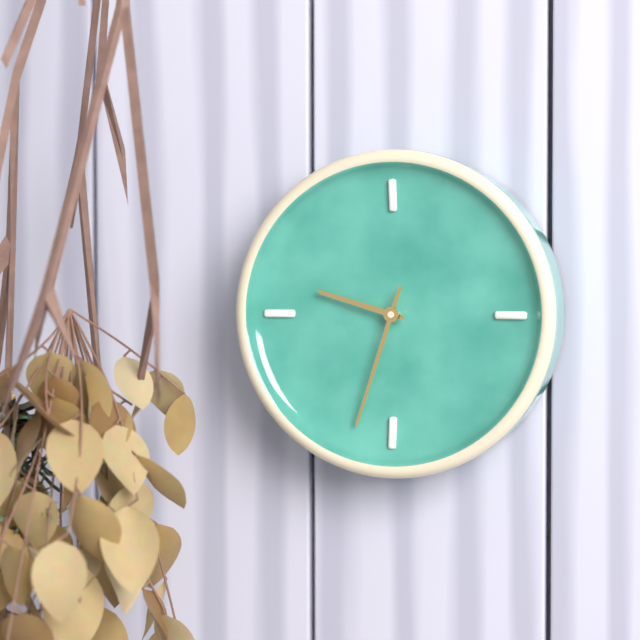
9,33
